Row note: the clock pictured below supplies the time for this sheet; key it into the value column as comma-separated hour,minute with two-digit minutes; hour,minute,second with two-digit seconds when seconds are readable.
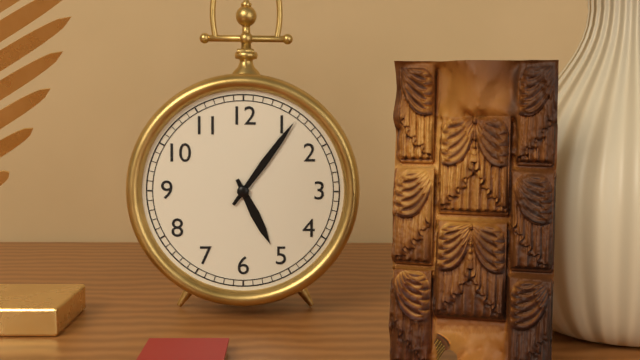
5,06
